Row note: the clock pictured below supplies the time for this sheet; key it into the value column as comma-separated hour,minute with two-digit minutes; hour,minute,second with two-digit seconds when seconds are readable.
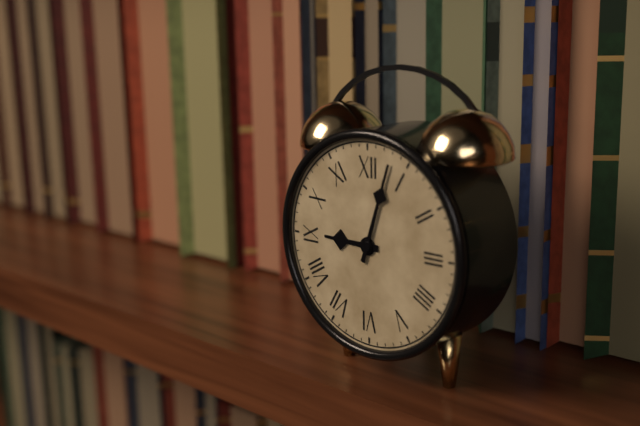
9,03
